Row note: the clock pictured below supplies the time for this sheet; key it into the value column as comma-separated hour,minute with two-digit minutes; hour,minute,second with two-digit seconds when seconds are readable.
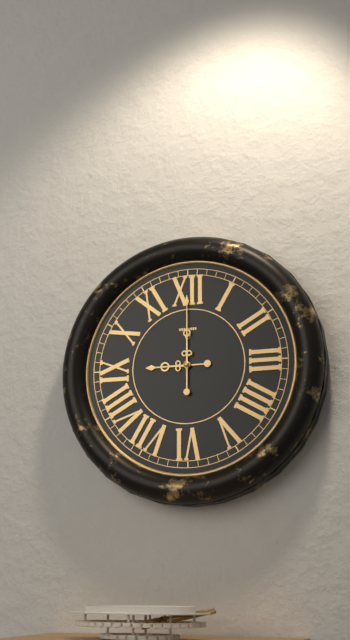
9,00
